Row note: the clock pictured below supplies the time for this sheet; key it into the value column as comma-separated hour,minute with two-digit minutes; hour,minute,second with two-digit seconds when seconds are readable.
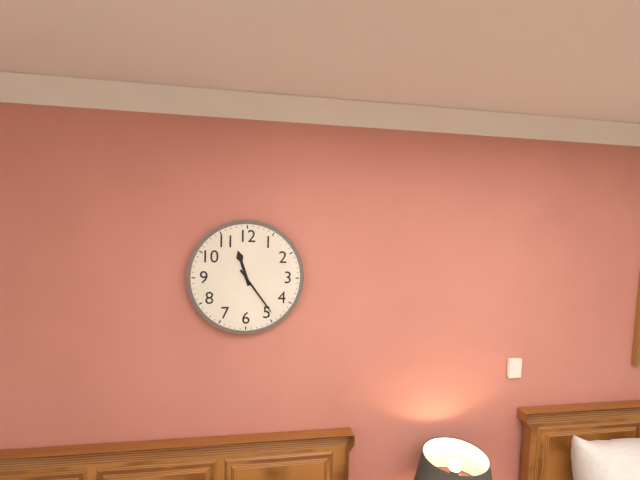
11,24
